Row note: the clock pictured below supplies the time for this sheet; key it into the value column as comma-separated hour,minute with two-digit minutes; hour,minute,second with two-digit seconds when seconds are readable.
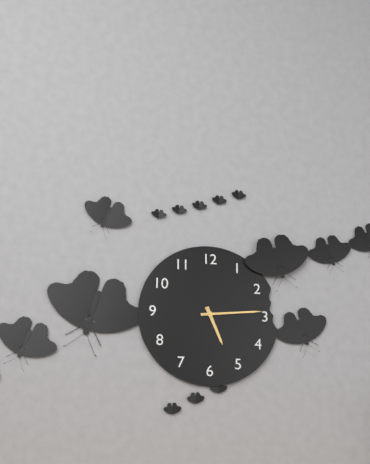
5,14
